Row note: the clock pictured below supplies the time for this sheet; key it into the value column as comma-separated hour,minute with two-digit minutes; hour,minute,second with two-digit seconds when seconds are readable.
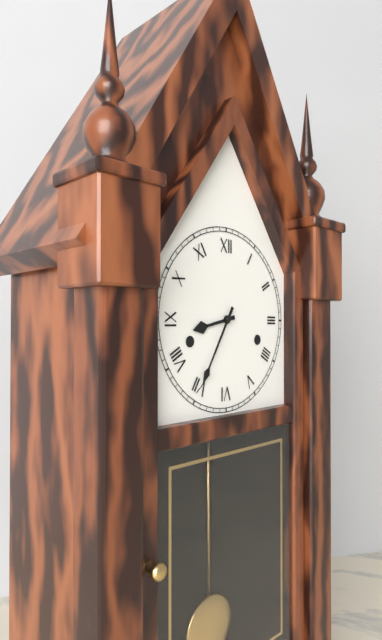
8,35
